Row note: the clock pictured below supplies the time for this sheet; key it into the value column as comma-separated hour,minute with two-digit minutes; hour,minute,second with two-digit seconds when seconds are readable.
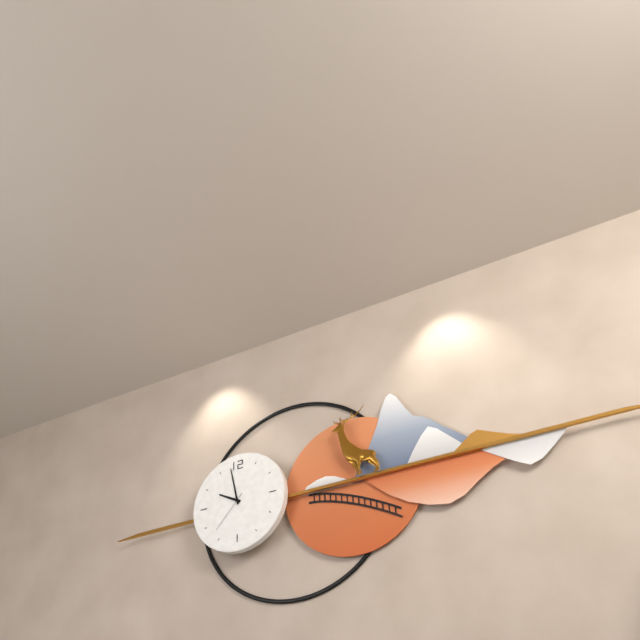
9,58
